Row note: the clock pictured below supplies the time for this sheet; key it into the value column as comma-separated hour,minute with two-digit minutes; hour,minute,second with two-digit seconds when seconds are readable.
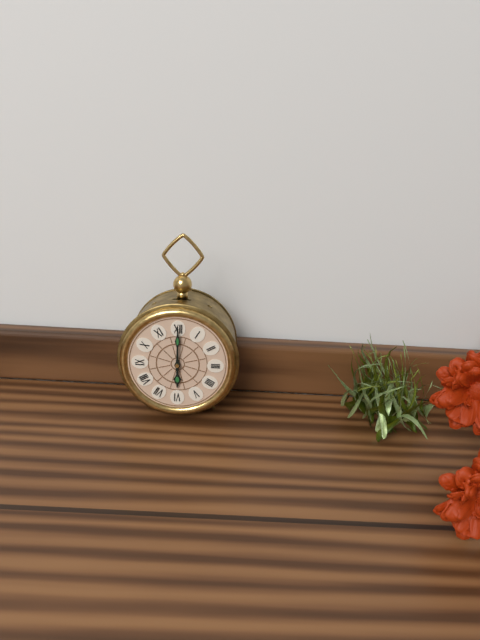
6,00
